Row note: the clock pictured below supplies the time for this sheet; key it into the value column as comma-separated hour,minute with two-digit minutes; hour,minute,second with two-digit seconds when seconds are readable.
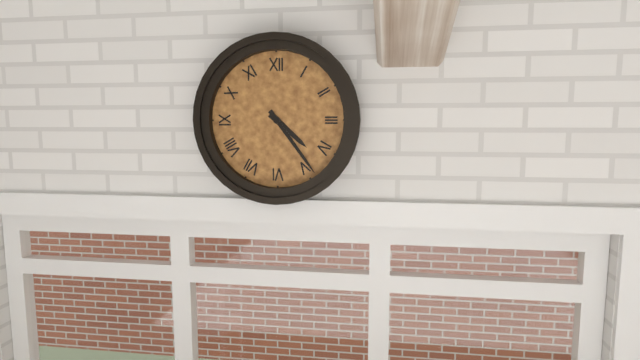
4,24
